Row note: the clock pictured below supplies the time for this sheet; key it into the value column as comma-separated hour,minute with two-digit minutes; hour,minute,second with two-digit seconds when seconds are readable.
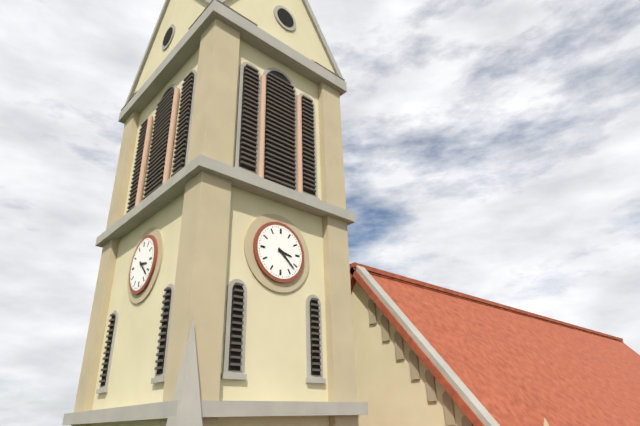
3,22
